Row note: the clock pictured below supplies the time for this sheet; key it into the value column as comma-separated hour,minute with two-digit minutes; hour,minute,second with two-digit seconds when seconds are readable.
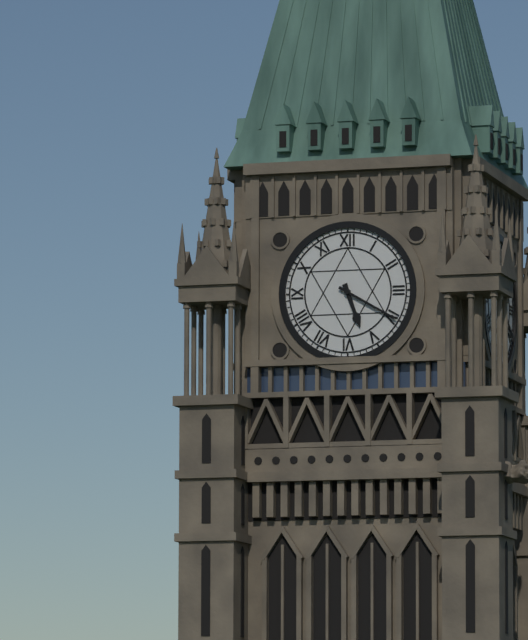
5,20
